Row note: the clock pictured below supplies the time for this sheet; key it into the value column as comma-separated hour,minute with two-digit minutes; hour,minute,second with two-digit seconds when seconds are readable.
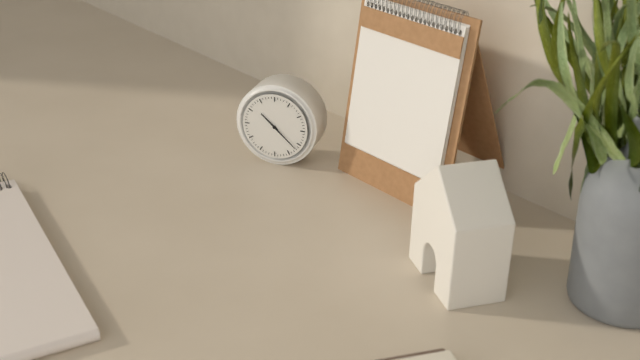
10,22
